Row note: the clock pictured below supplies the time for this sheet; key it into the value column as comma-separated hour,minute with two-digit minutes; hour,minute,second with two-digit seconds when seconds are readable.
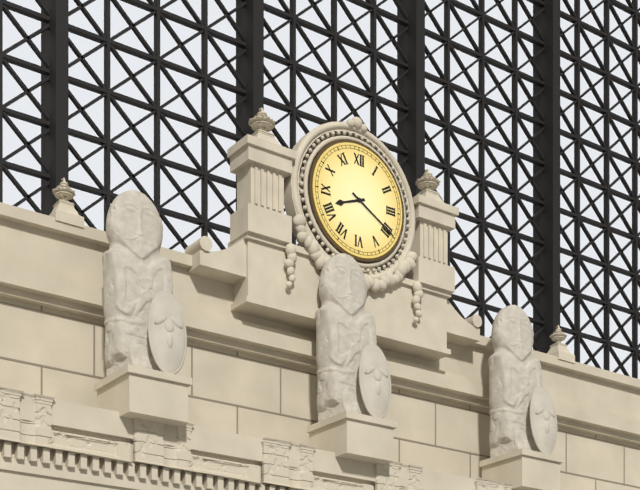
8,20
